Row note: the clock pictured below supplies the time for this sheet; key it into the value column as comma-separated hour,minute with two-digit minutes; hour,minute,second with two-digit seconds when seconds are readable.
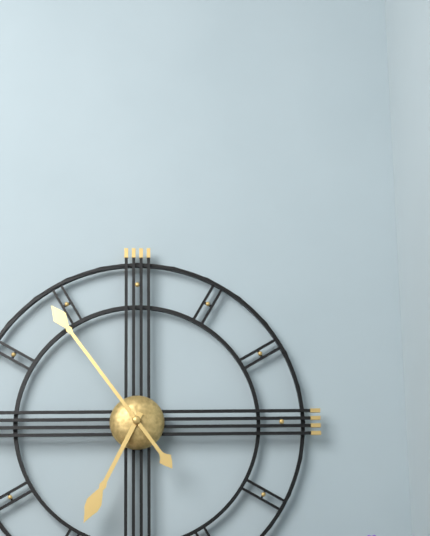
6,54
